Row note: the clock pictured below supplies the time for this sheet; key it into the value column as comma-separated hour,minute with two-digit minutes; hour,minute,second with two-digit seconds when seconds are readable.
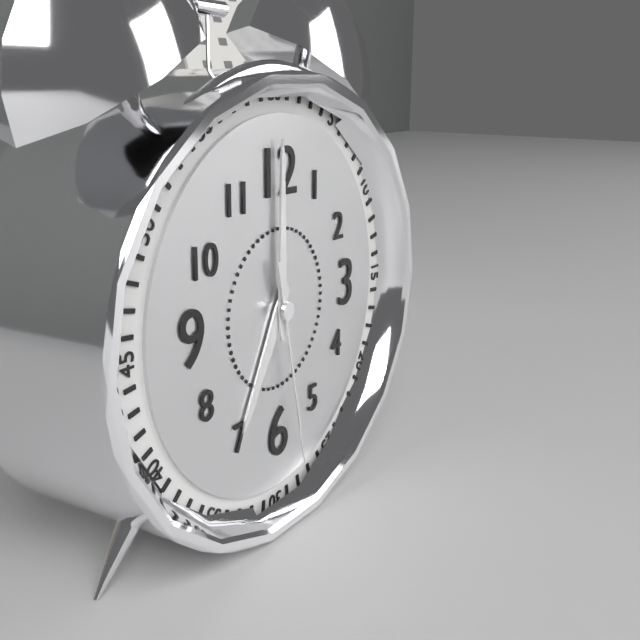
7,00,28
